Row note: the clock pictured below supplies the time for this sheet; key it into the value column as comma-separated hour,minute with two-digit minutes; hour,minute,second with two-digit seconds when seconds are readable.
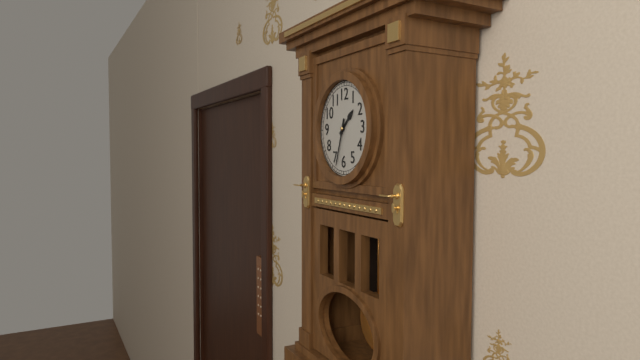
1,33
